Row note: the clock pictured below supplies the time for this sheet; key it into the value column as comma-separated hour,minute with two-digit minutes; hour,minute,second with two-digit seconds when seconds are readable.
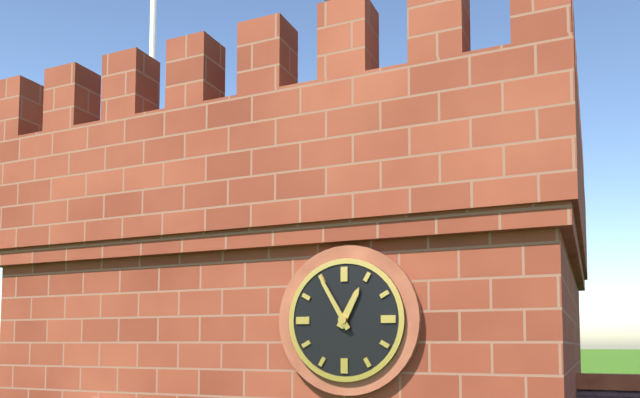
12,55
